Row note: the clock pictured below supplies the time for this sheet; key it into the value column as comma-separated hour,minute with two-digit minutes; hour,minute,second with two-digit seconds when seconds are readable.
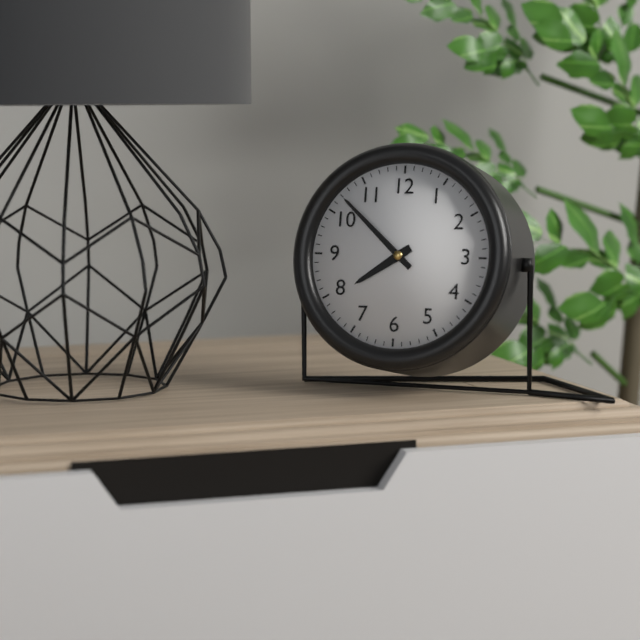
7,52
